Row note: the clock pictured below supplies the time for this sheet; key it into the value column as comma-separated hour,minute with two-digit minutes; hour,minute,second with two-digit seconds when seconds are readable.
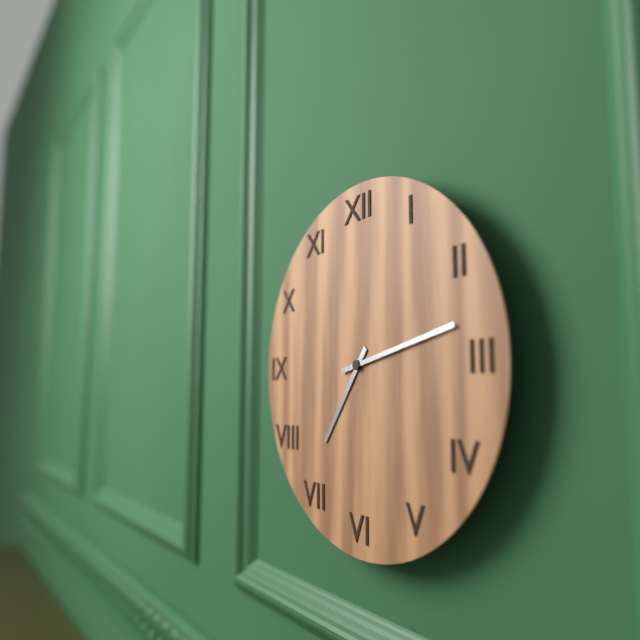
7,13
